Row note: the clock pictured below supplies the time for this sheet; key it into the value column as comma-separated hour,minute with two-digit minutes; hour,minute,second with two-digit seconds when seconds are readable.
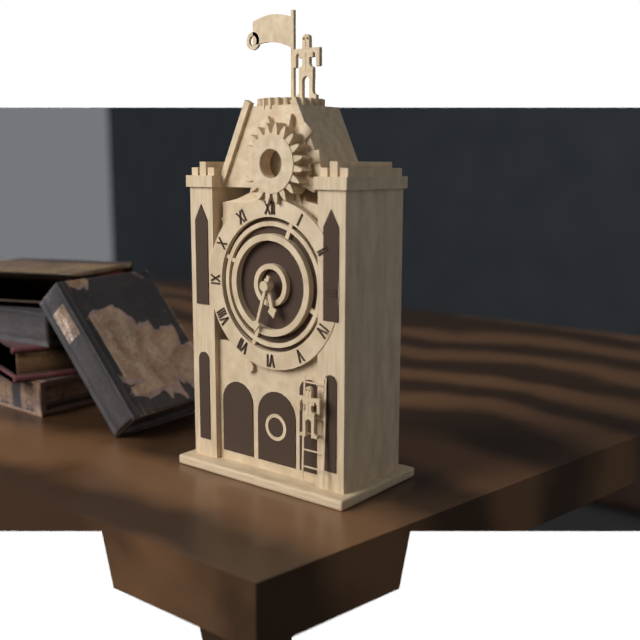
5,33
